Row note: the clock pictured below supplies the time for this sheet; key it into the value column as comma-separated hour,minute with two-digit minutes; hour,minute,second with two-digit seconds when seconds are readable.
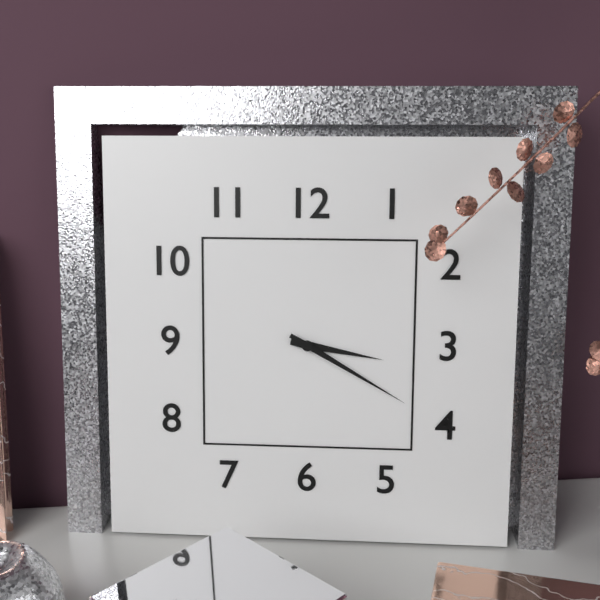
3,20
